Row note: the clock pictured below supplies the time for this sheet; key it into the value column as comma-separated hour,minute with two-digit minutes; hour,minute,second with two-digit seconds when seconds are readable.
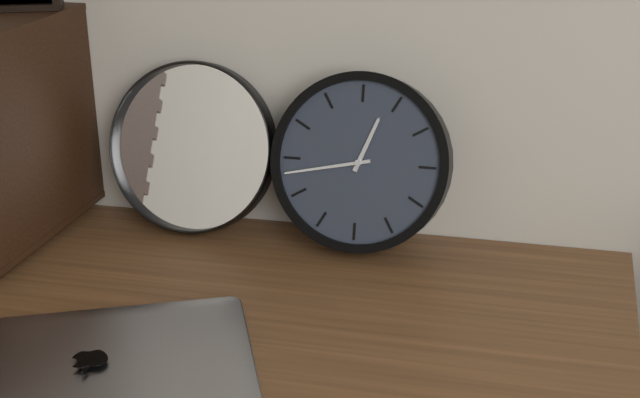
12,43
